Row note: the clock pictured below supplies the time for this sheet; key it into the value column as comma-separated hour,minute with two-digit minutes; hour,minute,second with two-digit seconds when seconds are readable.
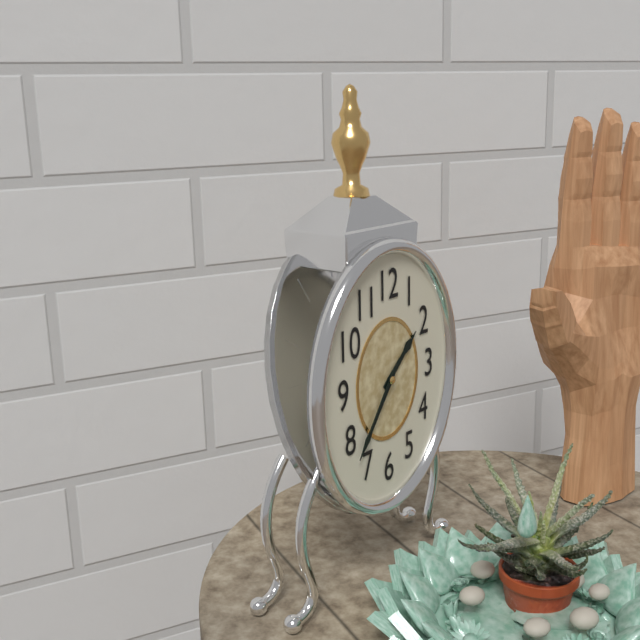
1,36
